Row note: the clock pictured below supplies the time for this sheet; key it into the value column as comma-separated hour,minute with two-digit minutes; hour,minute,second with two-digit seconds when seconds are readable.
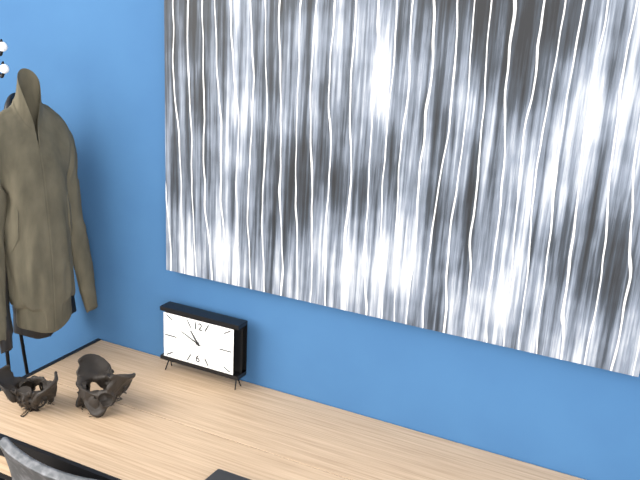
10,49
